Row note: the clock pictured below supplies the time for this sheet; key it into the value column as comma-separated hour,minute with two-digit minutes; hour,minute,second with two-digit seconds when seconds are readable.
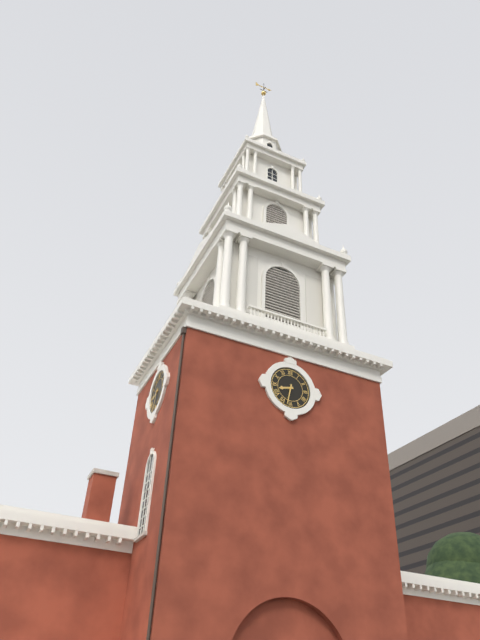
8,32
